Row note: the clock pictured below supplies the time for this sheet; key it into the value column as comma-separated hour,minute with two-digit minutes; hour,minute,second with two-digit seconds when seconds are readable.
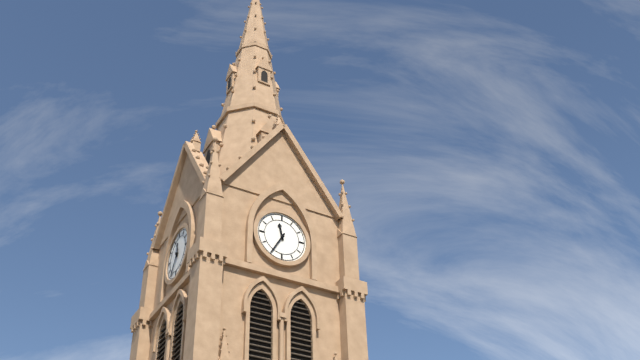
11,35
